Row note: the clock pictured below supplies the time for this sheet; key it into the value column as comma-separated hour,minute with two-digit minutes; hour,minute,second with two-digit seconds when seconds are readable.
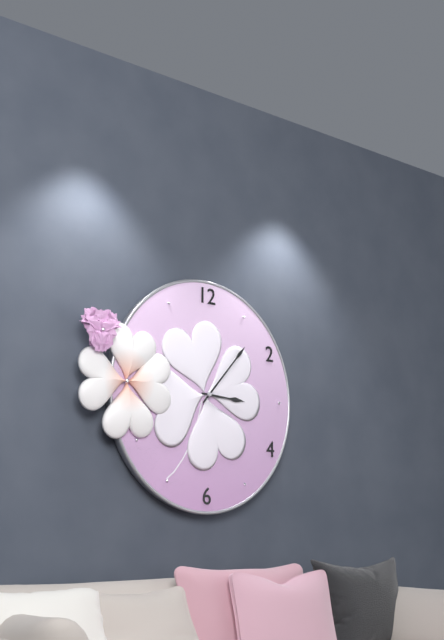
3,07
